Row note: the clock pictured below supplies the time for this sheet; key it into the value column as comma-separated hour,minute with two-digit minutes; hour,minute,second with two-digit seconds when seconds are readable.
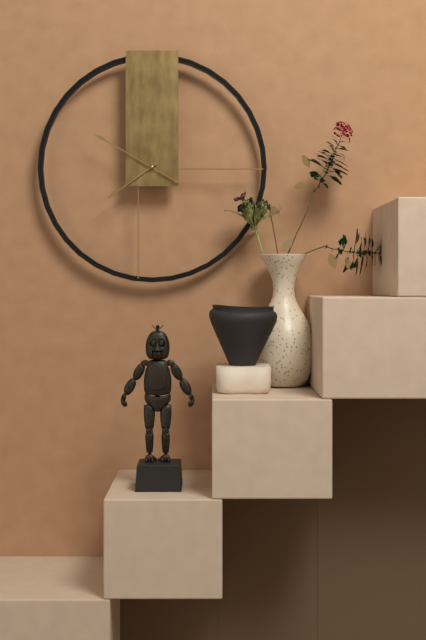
7,50
